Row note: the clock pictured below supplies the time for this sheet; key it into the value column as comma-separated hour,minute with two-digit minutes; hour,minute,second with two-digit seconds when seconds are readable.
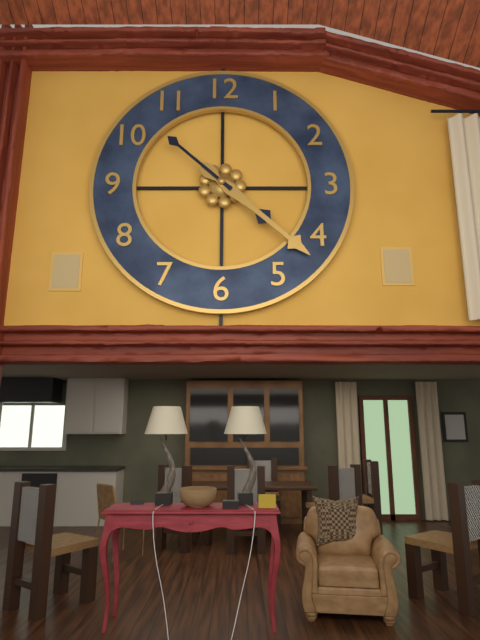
4,22,52
